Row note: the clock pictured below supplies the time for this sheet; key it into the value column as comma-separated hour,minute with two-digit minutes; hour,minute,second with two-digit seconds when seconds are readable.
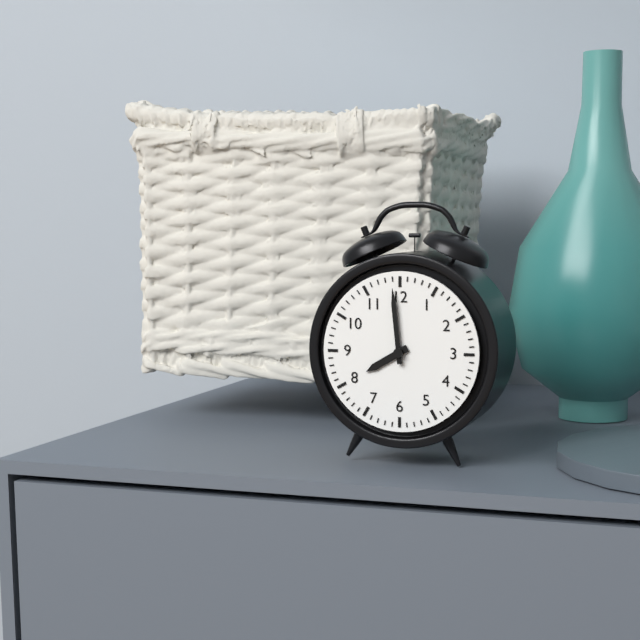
7,59
